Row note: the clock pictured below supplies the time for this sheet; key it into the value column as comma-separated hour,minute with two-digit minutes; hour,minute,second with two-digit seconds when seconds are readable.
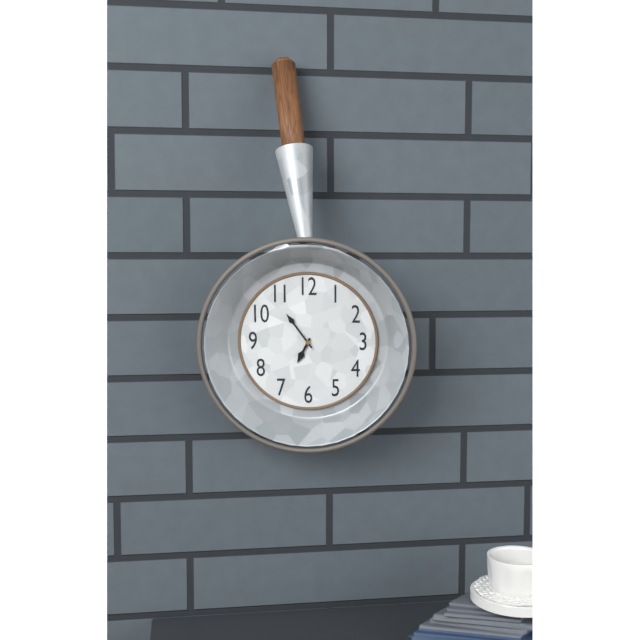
6,54
